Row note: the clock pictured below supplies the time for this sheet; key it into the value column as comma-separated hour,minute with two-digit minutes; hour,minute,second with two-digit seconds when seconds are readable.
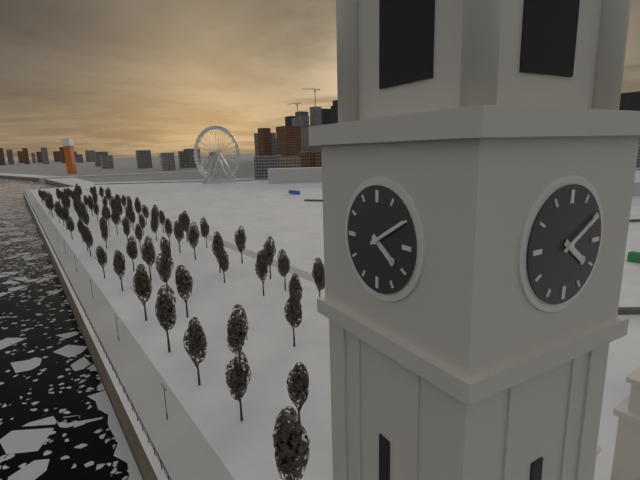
4,10
